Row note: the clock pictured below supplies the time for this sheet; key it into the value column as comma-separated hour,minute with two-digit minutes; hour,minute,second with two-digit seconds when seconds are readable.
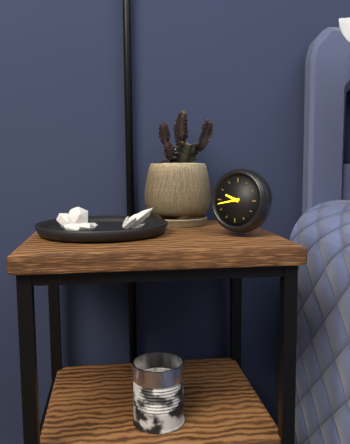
9,43
